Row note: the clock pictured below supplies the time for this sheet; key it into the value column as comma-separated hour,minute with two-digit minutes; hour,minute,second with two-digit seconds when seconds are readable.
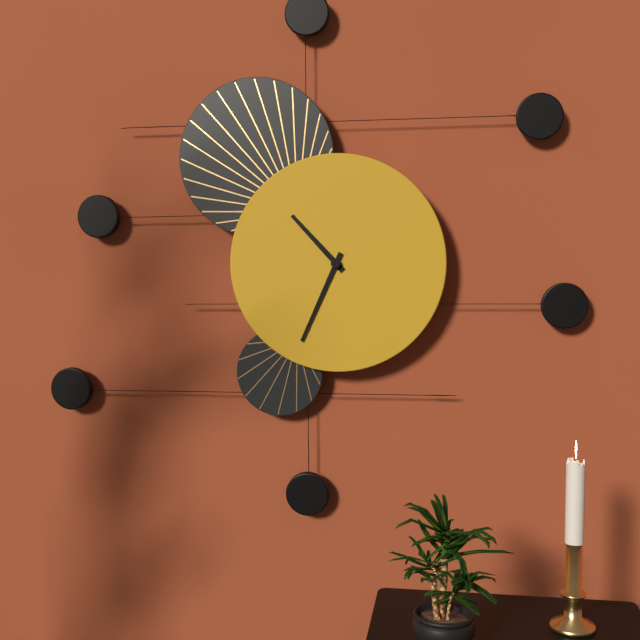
10,34
